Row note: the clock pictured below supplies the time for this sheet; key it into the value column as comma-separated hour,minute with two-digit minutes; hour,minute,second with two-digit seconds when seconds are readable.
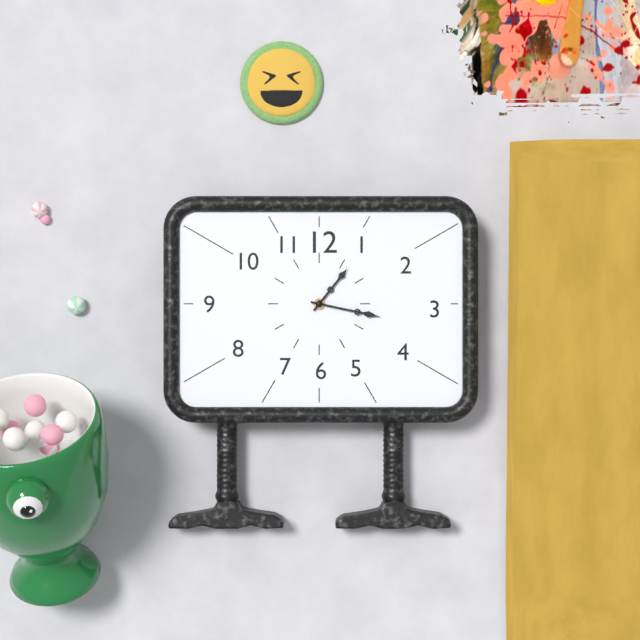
1,17
